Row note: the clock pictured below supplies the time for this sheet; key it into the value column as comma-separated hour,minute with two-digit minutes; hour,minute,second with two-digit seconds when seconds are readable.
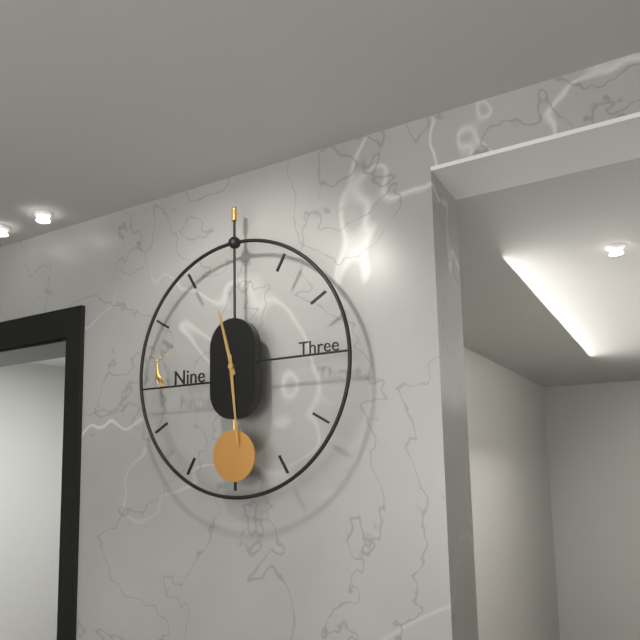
11,29
